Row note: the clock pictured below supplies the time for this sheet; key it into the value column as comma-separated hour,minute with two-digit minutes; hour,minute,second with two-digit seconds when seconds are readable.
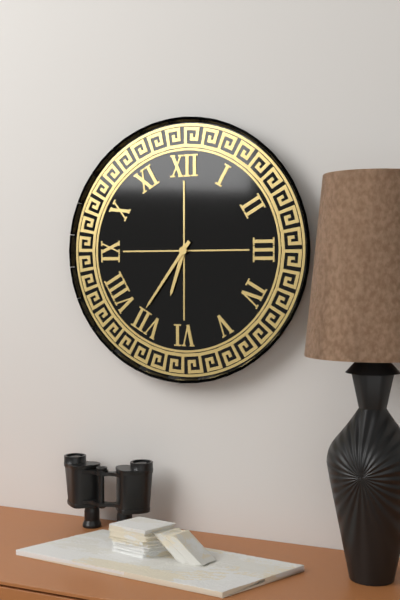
6,36
